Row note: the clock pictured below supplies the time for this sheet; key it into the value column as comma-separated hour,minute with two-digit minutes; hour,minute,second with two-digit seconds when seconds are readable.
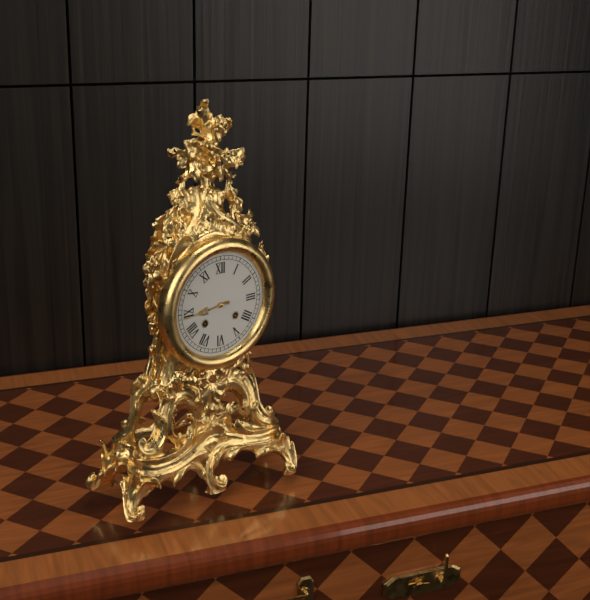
8,44
